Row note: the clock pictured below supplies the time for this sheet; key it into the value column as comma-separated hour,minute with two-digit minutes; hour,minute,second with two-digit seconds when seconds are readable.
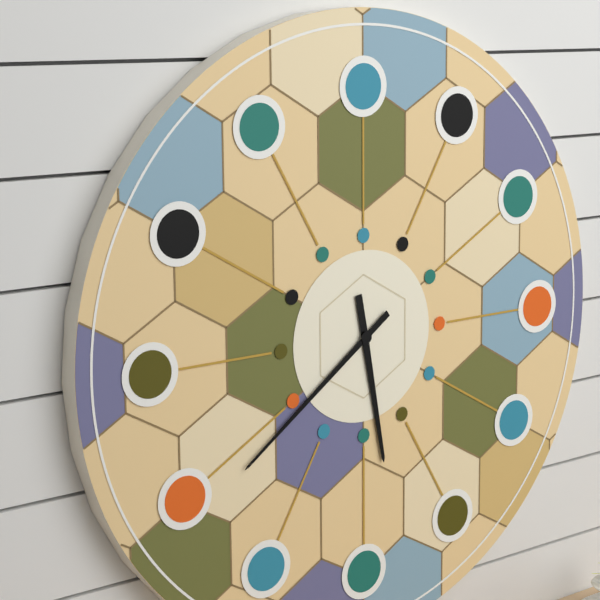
5,39
